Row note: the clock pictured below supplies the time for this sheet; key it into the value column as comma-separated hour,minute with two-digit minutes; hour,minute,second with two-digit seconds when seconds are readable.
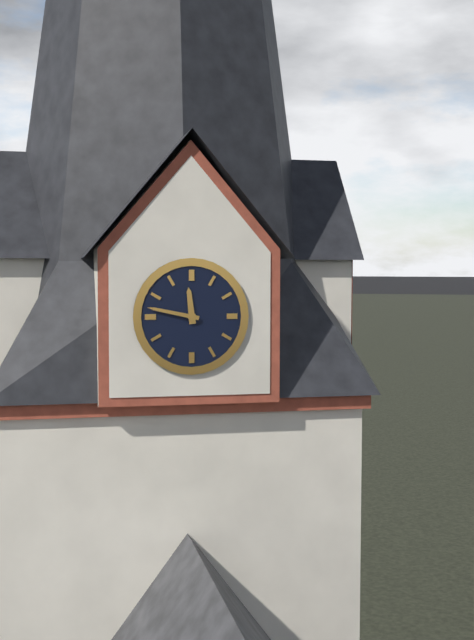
11,47
